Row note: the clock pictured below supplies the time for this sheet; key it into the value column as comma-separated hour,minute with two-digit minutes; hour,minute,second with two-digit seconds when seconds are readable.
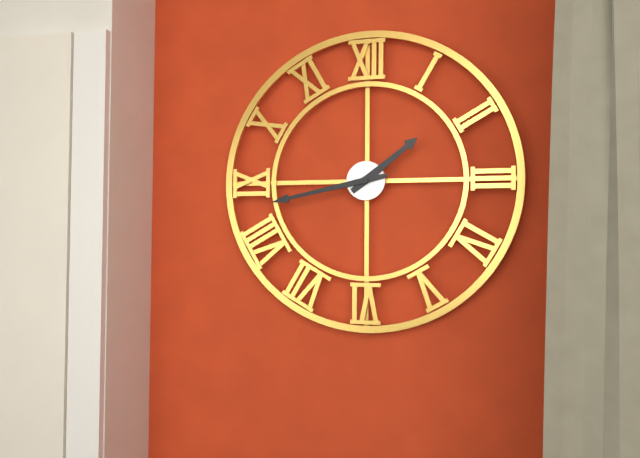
1,43
